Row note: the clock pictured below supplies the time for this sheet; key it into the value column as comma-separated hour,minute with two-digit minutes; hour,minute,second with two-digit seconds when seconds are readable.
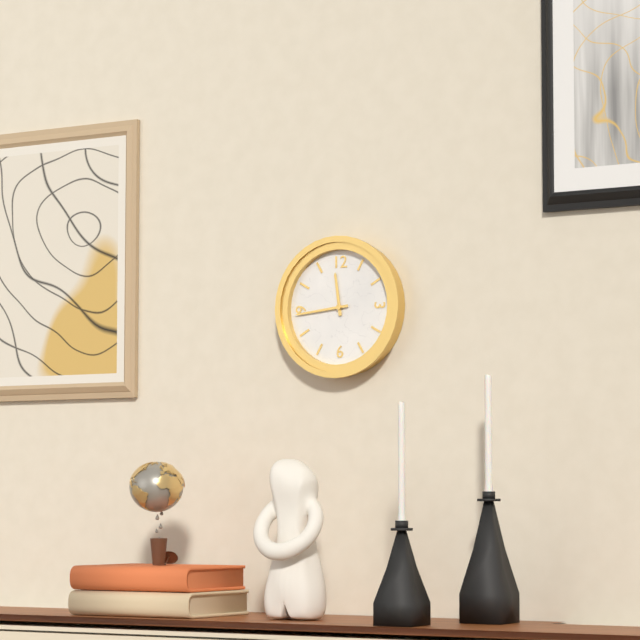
11,44
